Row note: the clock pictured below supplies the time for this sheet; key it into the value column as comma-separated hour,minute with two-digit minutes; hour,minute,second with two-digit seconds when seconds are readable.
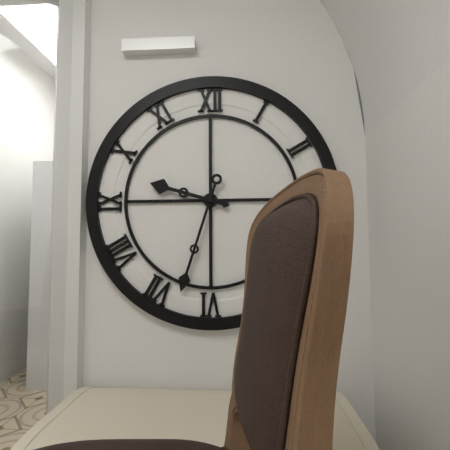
9,33
